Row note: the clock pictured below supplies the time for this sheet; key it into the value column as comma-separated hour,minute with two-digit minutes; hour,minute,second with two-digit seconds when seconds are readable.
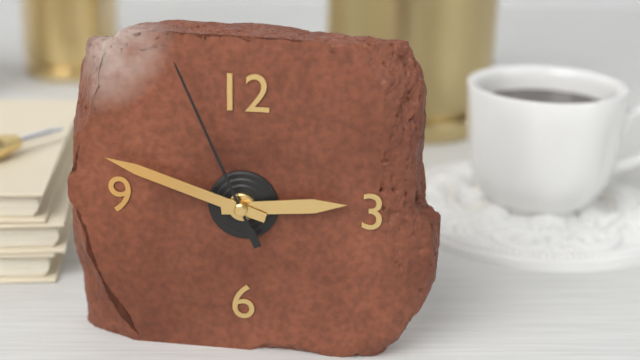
2,48,56
